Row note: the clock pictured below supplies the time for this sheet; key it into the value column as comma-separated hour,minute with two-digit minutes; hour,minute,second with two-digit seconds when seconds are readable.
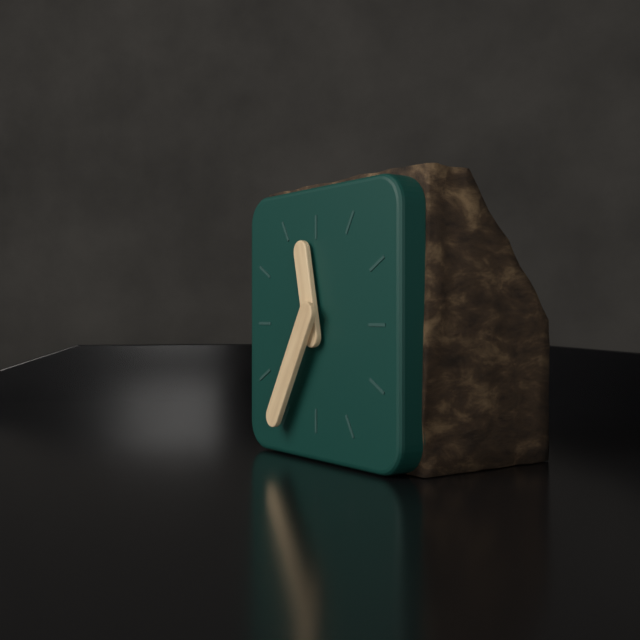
11,35
